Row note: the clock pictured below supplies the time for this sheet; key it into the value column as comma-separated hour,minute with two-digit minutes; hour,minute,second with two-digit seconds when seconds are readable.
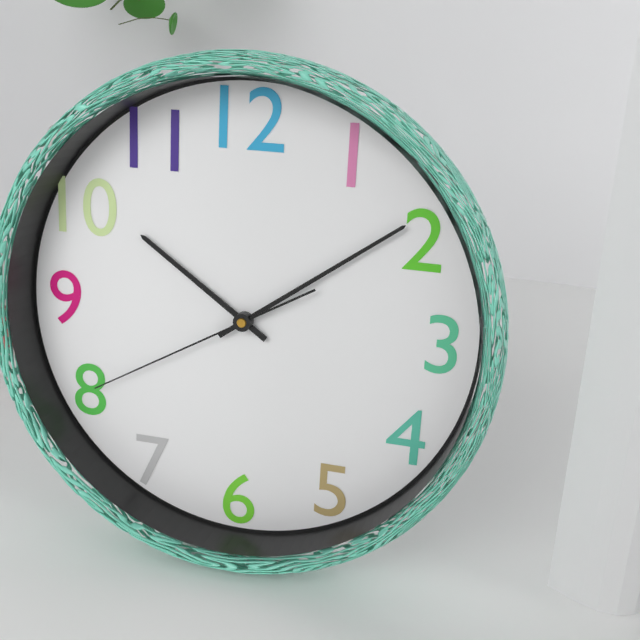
10,09,40
